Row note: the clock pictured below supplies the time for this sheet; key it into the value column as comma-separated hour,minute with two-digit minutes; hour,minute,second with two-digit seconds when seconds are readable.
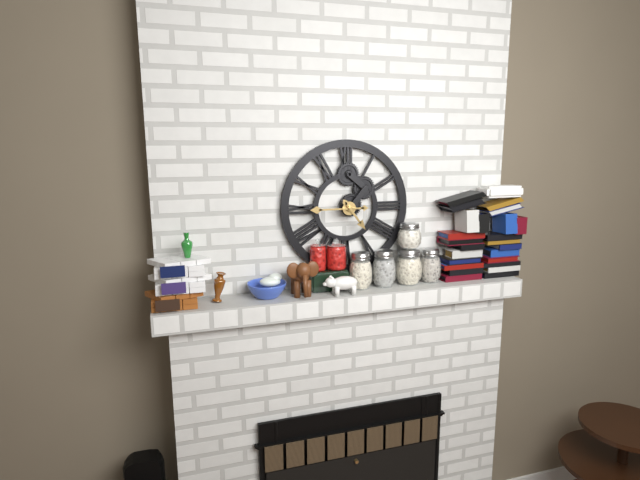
4,45
